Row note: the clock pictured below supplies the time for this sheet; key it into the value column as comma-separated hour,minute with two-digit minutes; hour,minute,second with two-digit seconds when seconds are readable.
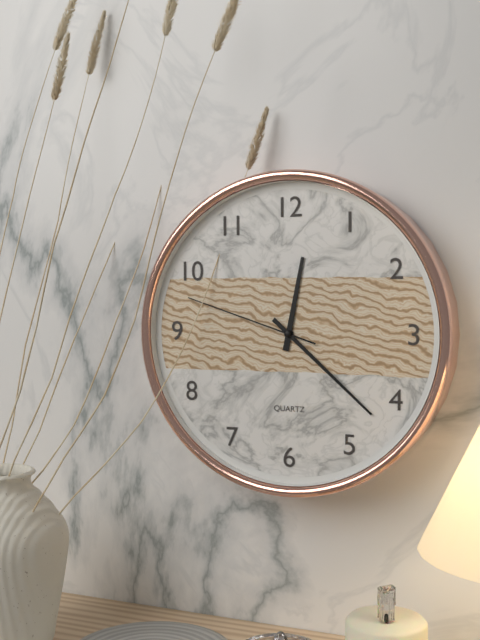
12,22,48
